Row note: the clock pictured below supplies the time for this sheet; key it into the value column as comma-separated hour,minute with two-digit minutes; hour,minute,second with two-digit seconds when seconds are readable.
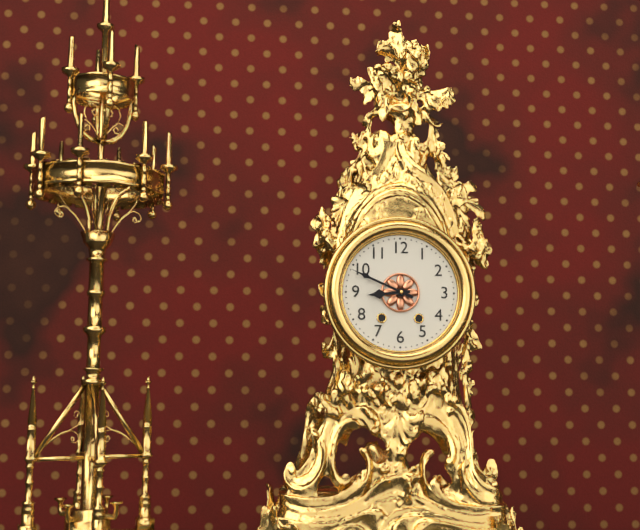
8,49
